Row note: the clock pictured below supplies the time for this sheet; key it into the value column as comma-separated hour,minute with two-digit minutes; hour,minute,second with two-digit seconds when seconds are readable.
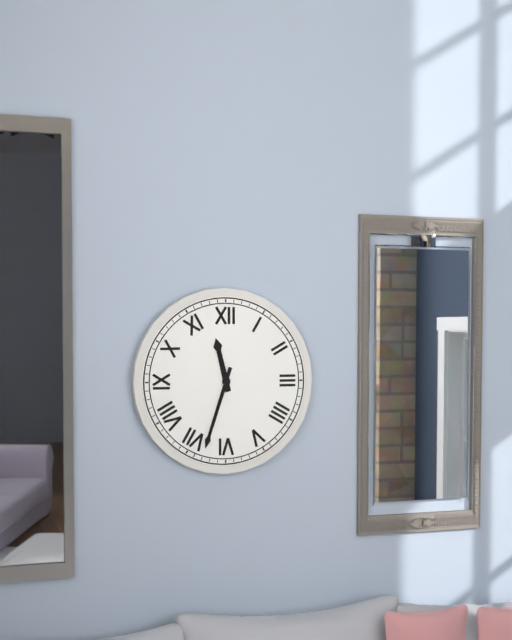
11,33
